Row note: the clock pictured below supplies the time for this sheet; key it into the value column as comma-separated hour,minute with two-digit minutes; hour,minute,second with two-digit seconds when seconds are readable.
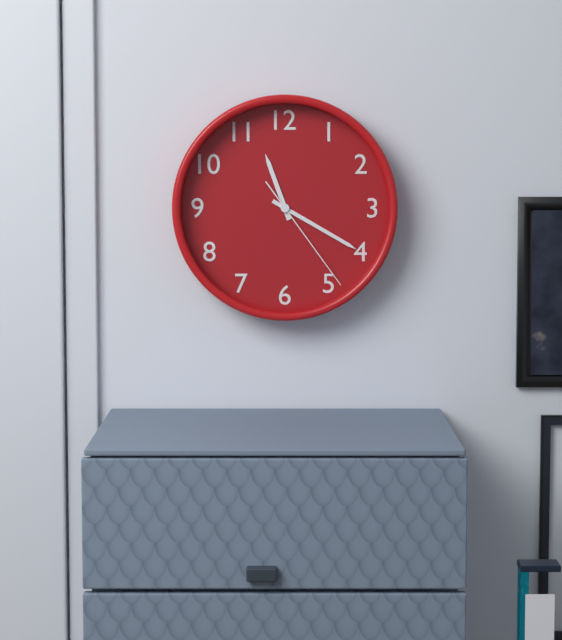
11,20,24
